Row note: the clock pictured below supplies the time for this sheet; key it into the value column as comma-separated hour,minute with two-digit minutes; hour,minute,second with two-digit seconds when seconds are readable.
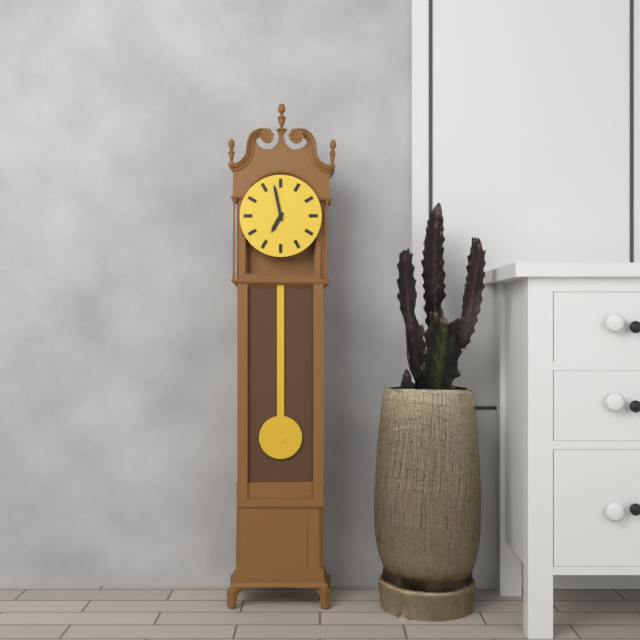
6,58
